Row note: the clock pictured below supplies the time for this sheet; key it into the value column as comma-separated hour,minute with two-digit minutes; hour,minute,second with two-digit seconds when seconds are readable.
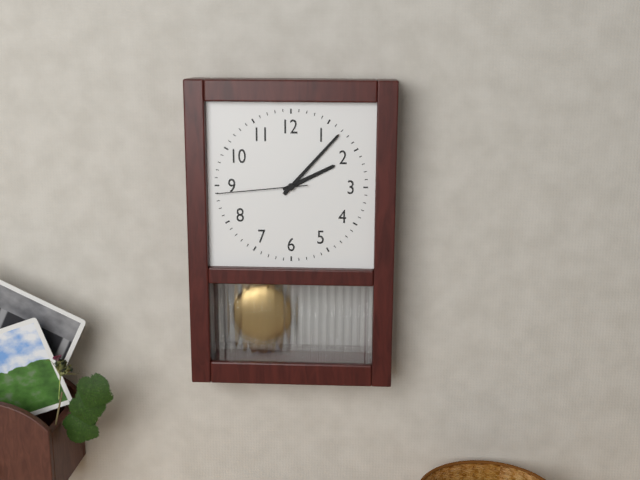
2,07,44
